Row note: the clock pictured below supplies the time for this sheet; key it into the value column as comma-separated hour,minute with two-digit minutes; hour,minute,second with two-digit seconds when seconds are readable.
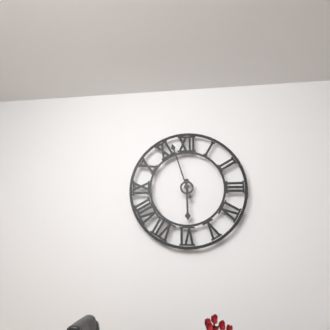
5,57
